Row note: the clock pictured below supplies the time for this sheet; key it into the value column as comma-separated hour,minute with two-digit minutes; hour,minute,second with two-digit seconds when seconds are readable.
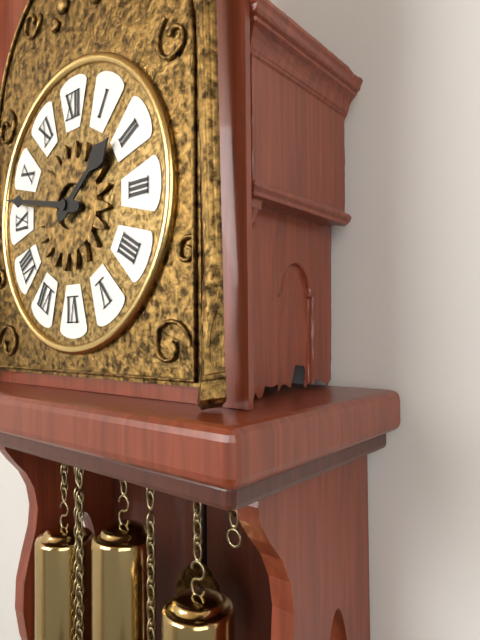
1,47
